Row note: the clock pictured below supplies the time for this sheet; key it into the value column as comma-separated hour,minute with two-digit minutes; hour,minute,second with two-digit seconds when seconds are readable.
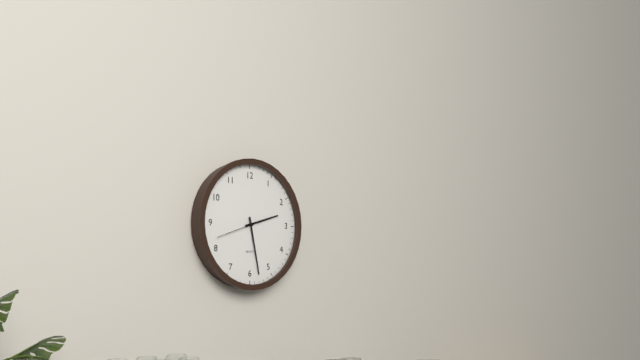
2,28
